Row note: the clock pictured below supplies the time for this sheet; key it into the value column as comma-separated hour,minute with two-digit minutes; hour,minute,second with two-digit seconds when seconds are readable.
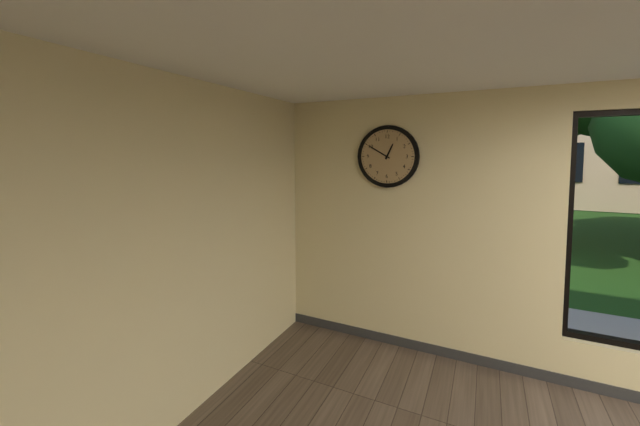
12,50
